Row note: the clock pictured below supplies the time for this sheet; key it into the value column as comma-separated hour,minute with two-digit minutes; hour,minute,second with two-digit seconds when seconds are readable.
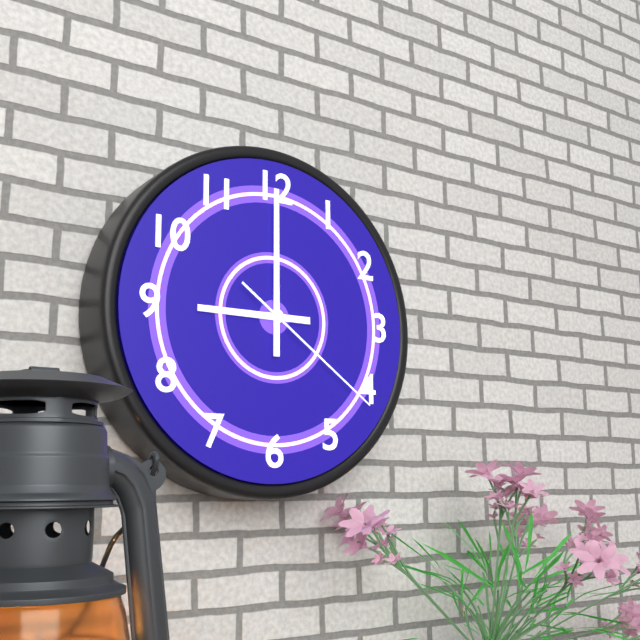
9,00,21
